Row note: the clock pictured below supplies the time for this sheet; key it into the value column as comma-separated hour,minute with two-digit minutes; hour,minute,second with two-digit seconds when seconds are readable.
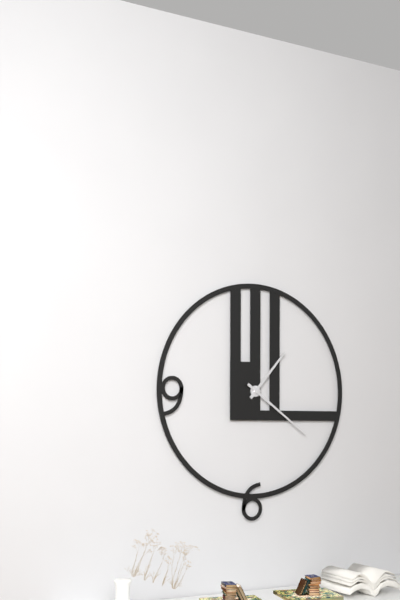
1,21
